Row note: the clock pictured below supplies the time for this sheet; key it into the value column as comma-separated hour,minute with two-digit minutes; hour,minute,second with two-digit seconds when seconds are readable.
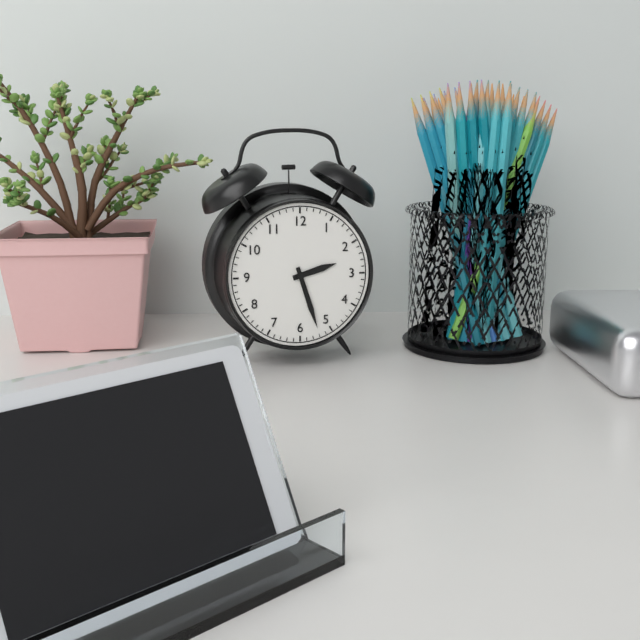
2,27
